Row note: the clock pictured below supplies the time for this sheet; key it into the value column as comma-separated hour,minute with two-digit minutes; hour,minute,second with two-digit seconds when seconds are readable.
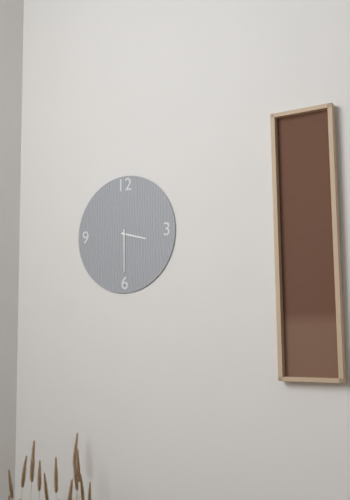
3,30
